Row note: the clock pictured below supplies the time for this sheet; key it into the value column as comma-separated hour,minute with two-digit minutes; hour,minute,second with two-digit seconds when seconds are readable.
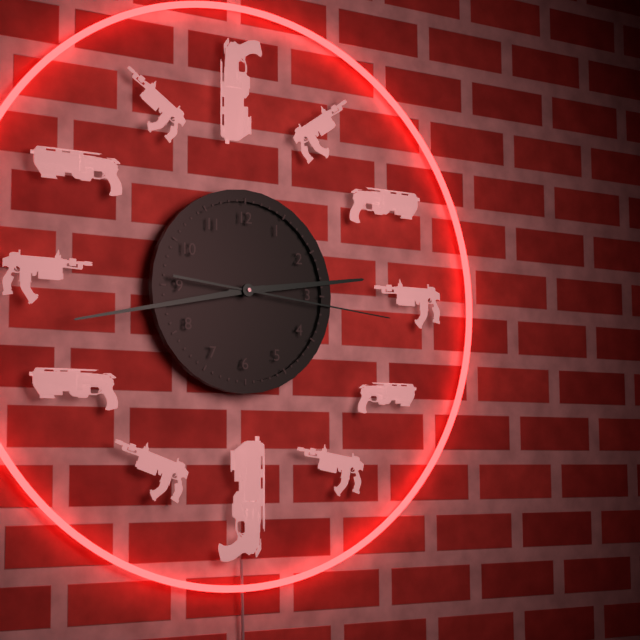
2,43,16
